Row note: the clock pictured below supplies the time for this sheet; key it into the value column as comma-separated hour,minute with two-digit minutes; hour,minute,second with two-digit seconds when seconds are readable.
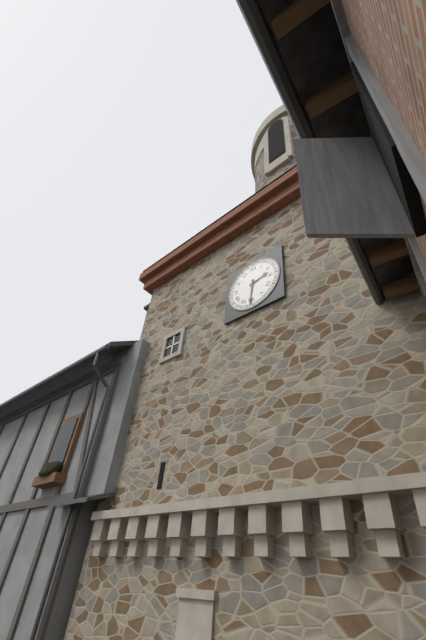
2,31
